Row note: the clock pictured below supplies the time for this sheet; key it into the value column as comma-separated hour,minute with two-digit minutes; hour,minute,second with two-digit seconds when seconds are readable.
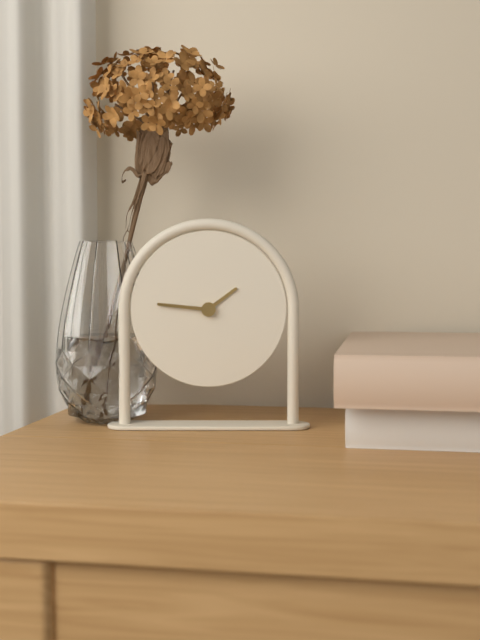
1,46
